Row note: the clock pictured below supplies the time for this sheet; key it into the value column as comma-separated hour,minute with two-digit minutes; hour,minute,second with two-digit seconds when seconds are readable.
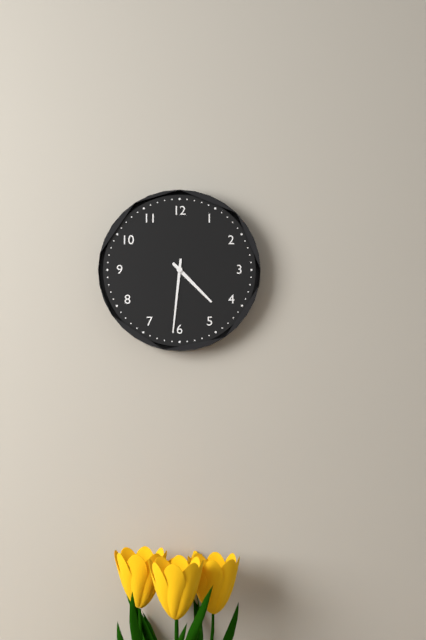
4,31
